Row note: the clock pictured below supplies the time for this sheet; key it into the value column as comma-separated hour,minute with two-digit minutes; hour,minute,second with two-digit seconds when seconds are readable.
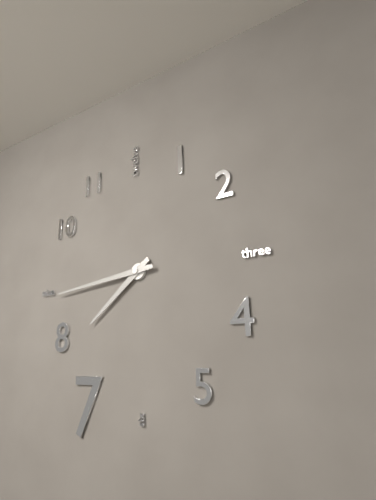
7,44
